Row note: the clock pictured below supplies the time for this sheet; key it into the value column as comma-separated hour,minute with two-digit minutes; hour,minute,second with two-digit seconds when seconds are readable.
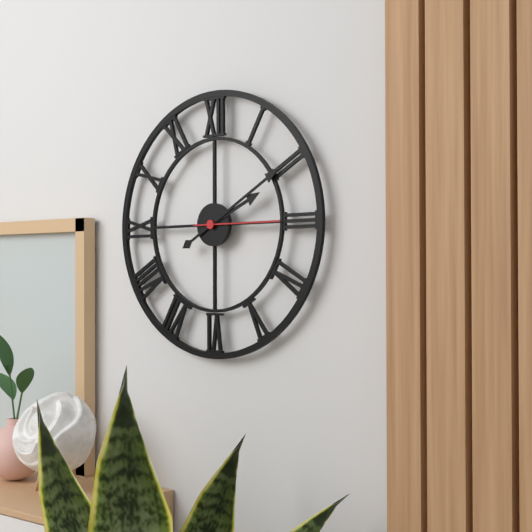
2,10,15
